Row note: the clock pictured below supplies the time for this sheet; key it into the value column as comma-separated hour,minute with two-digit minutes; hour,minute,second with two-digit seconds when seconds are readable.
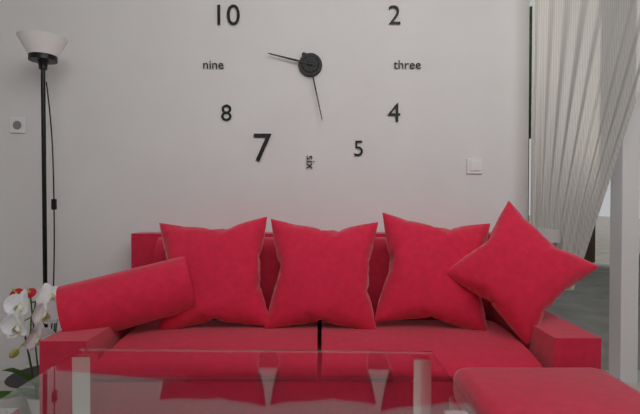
9,28
